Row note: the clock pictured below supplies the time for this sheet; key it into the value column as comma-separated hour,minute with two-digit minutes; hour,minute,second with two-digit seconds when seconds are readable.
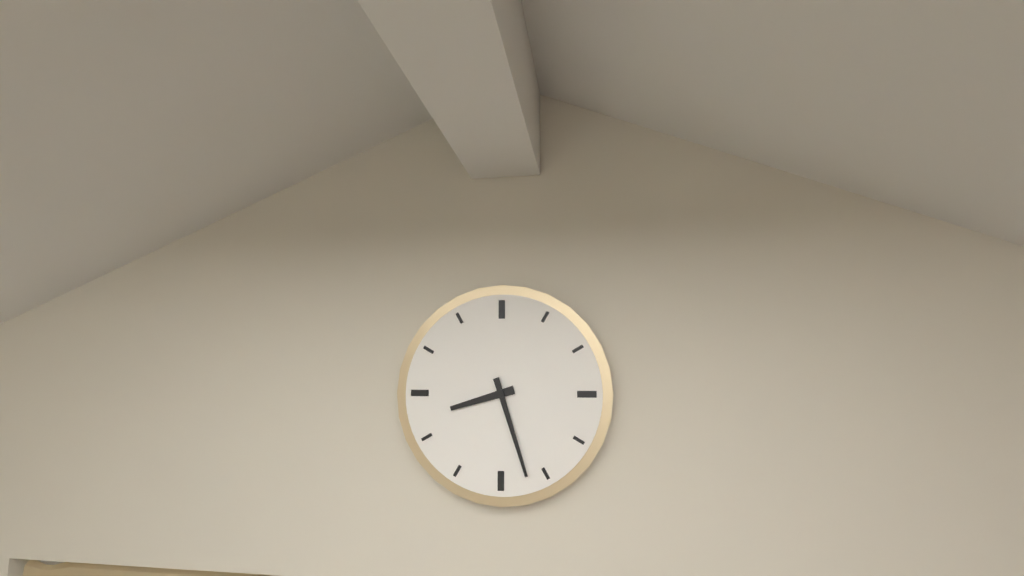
8,27
